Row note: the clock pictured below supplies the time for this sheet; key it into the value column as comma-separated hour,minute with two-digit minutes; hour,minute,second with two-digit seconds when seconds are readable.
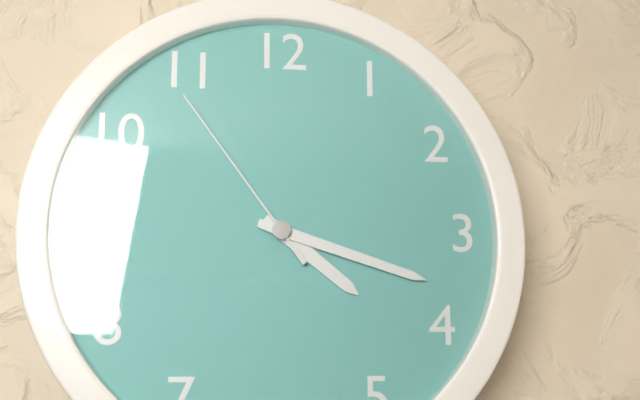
4,18,54
